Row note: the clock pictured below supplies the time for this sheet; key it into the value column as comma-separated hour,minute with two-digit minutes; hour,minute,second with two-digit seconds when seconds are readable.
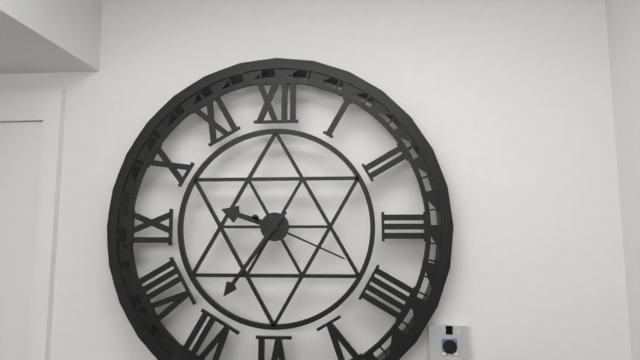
9,36,19
